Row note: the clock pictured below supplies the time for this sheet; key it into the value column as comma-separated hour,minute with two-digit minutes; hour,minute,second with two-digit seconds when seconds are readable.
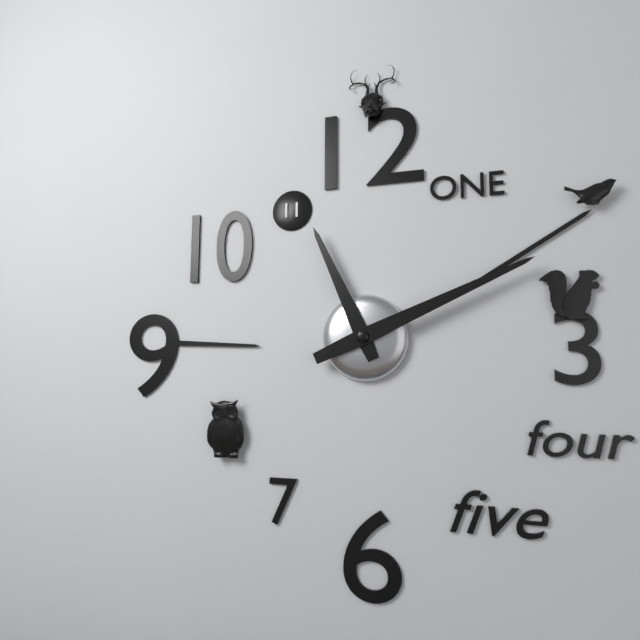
11,11
